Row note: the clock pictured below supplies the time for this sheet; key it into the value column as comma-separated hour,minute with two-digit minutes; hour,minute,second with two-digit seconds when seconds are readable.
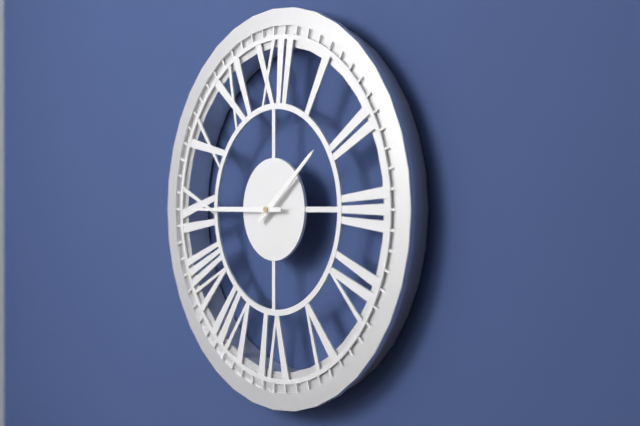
1,45
